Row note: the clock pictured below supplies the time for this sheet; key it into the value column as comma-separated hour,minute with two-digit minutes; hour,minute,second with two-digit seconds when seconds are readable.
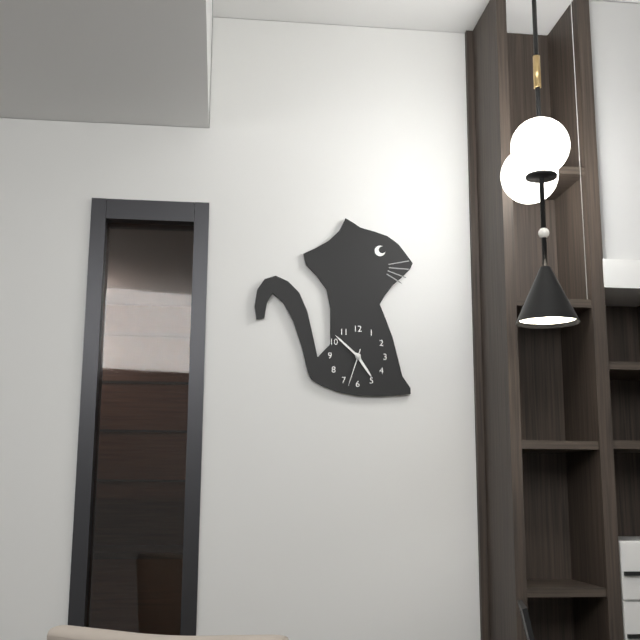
4,52
